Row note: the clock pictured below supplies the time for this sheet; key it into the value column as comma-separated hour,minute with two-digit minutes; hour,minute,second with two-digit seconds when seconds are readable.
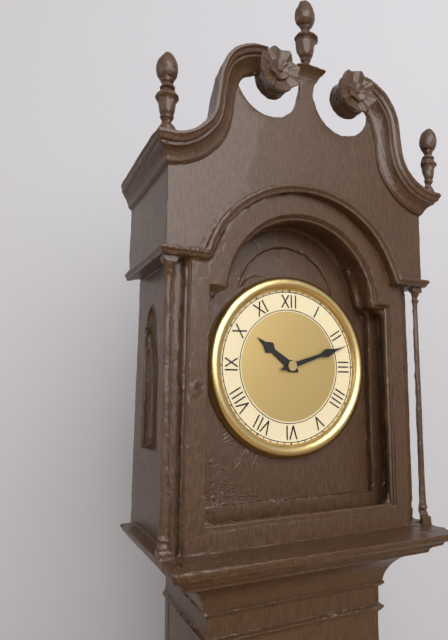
10,12
